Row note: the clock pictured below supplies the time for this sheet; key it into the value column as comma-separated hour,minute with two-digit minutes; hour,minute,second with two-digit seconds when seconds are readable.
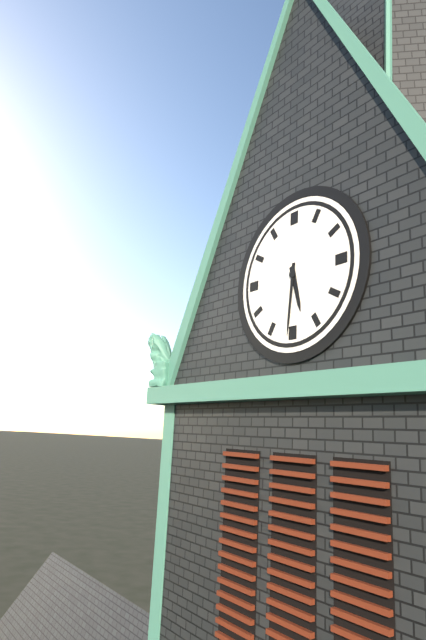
5,31
